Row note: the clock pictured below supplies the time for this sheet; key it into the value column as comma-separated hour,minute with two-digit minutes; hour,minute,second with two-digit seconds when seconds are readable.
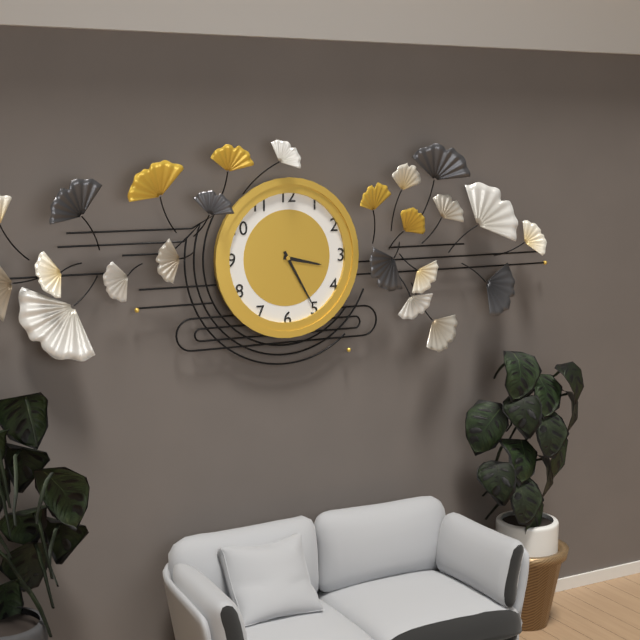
3,25
